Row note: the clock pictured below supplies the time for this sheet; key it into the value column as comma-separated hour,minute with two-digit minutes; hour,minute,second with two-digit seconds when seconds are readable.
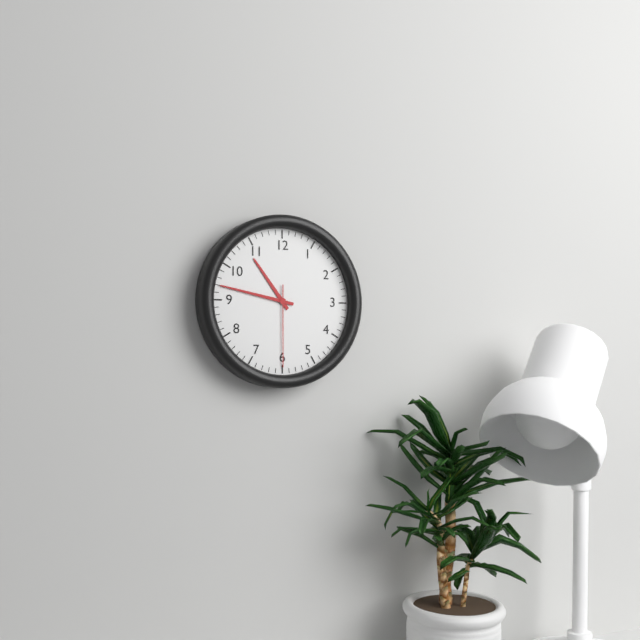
10,47,30
